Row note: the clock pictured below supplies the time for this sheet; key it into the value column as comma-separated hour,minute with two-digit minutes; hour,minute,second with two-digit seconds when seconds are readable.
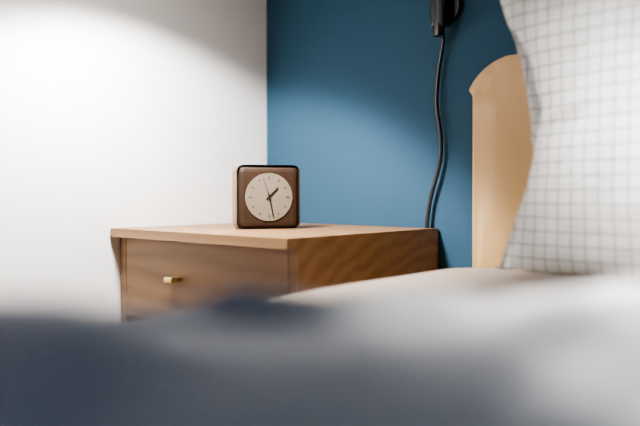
1,28
